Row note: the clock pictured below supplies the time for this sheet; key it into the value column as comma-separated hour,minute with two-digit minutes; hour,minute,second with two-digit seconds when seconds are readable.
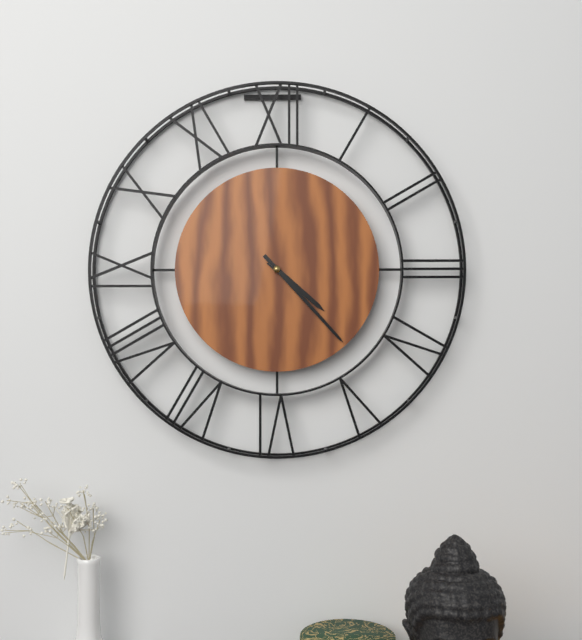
4,23
